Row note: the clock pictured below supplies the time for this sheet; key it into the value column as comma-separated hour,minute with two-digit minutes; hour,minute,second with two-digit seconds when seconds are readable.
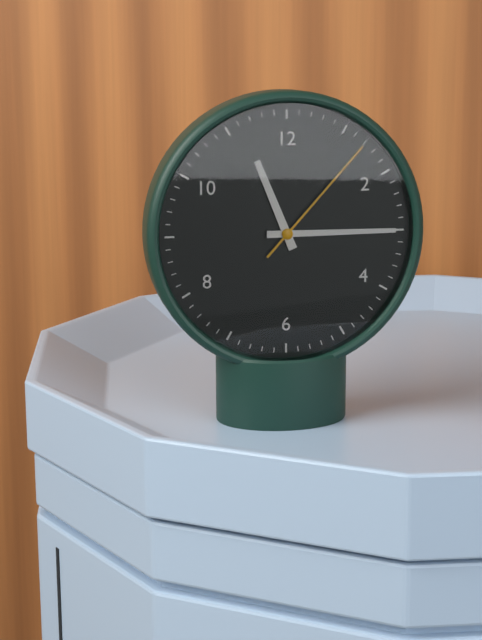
11,15,07
